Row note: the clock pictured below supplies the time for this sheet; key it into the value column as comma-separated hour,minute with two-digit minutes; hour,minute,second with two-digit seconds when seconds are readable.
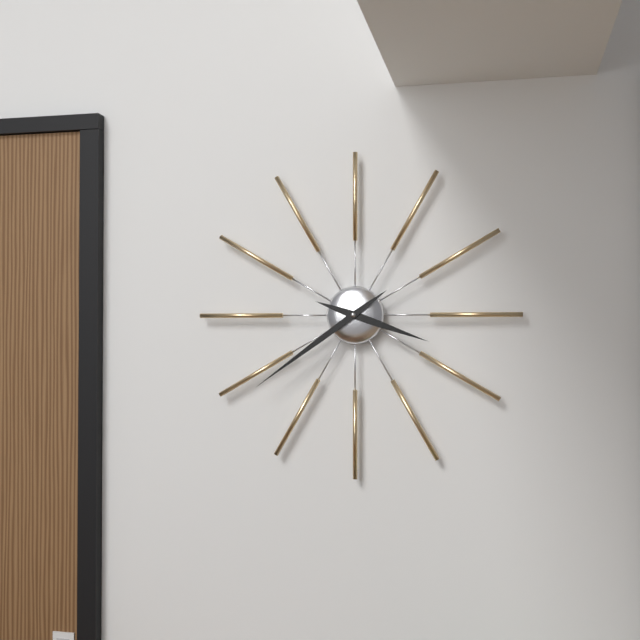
3,39
